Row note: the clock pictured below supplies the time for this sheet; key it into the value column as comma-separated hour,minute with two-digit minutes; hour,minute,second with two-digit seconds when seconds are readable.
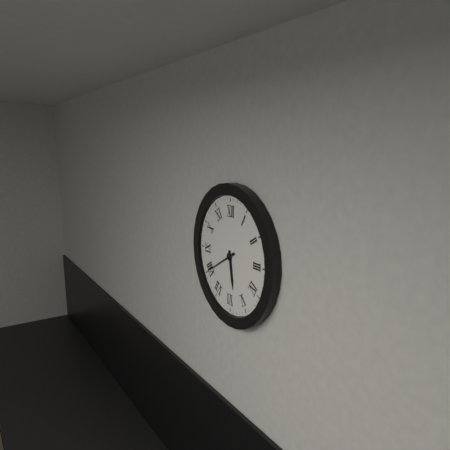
5,40
